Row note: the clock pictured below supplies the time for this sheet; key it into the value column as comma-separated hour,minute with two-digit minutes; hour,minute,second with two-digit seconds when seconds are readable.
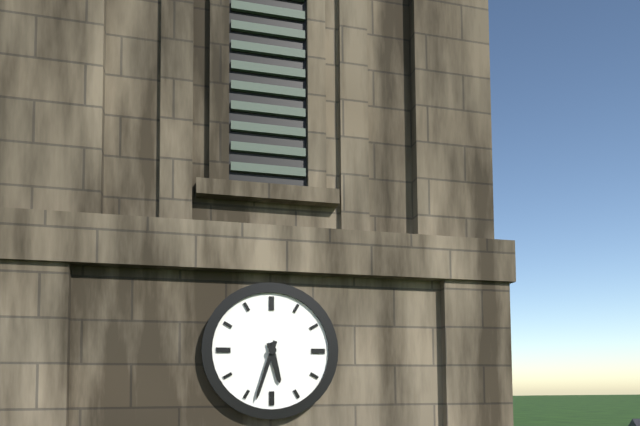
5,33
